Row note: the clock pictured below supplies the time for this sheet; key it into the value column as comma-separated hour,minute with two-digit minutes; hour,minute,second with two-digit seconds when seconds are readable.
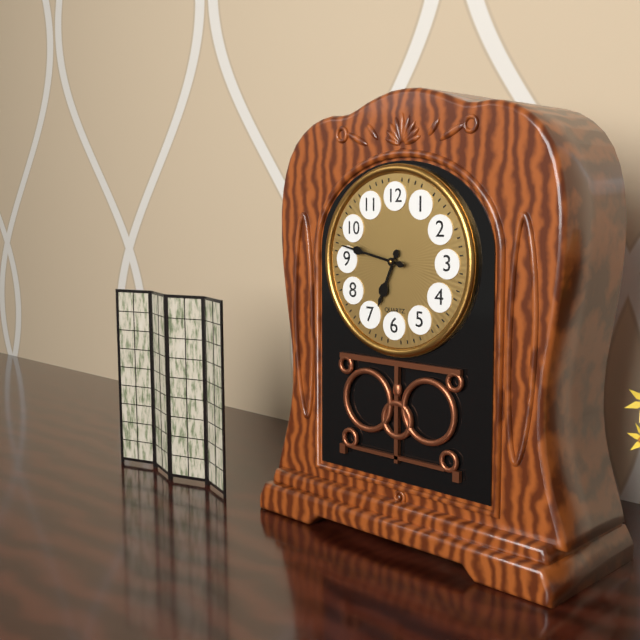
6,47
